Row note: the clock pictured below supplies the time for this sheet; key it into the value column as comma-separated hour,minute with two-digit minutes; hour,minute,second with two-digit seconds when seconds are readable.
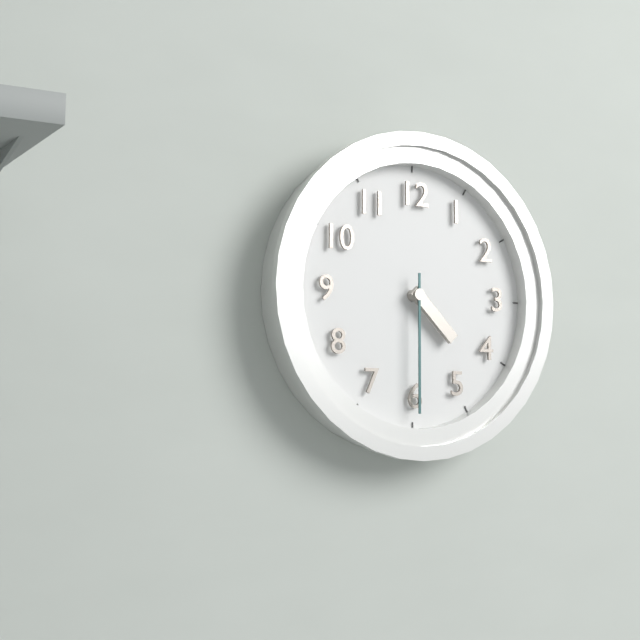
4,30
